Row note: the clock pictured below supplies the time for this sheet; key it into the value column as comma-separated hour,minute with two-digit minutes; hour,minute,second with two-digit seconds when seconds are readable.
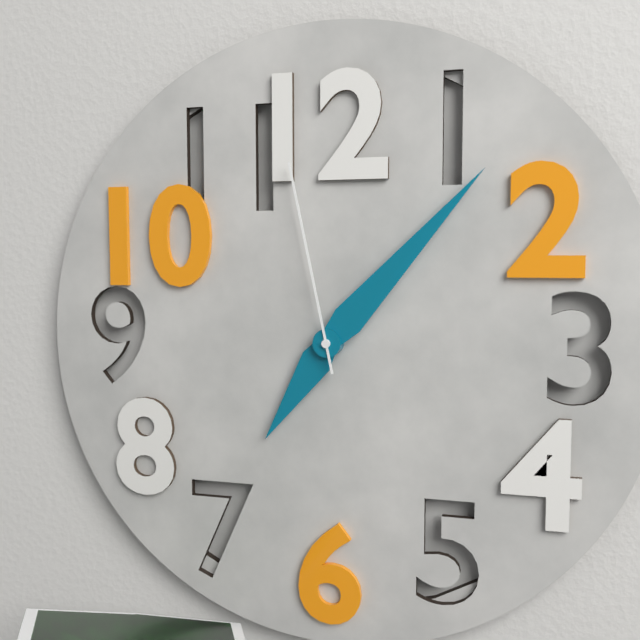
7,07,58
